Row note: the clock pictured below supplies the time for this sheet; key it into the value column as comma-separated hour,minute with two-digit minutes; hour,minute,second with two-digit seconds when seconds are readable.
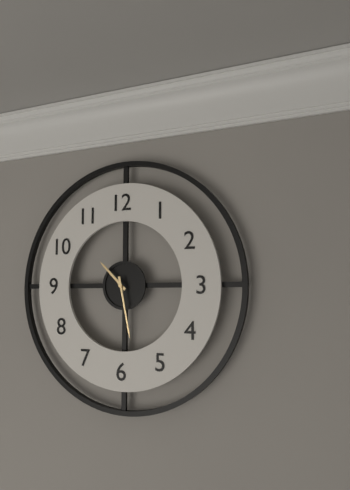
10,28
